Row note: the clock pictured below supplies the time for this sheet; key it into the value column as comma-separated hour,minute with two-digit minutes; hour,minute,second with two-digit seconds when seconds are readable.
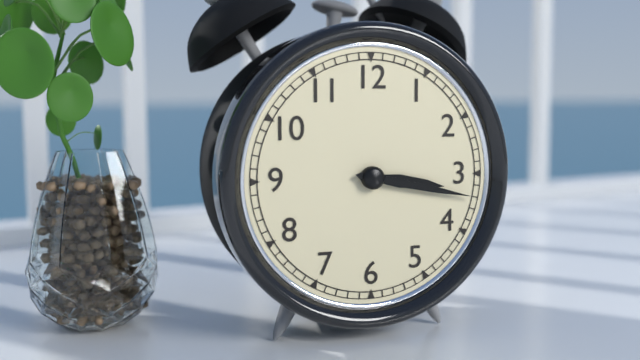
3,17
